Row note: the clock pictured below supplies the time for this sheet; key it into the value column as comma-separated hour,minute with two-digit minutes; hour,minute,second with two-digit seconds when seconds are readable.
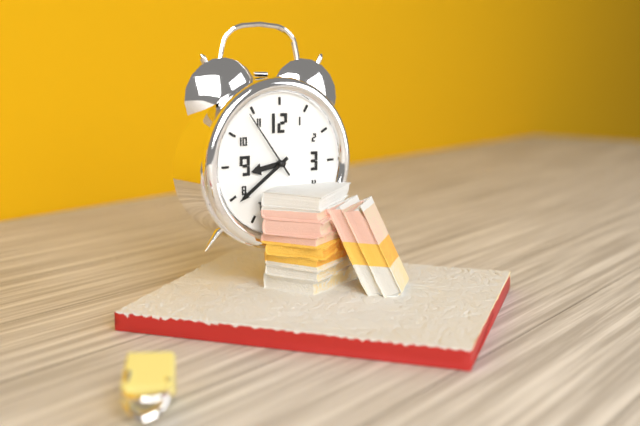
8,39,54
